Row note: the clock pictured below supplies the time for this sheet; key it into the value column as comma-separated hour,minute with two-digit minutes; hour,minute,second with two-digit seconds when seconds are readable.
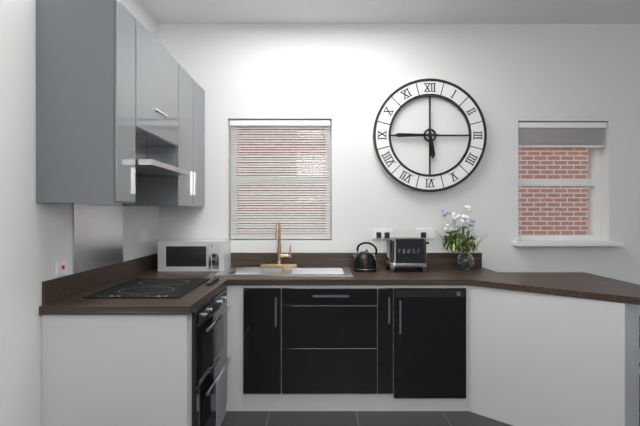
5,45
